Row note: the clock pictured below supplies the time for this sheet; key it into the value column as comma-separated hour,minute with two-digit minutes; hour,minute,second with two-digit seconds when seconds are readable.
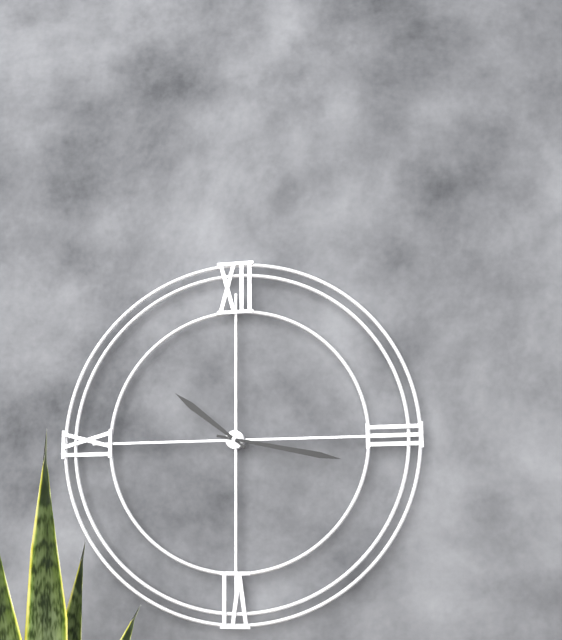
10,17
